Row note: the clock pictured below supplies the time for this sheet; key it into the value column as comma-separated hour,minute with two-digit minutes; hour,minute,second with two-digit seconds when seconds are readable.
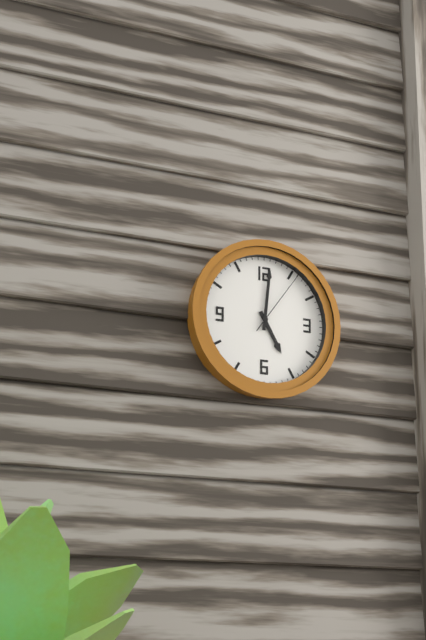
5,01,06
